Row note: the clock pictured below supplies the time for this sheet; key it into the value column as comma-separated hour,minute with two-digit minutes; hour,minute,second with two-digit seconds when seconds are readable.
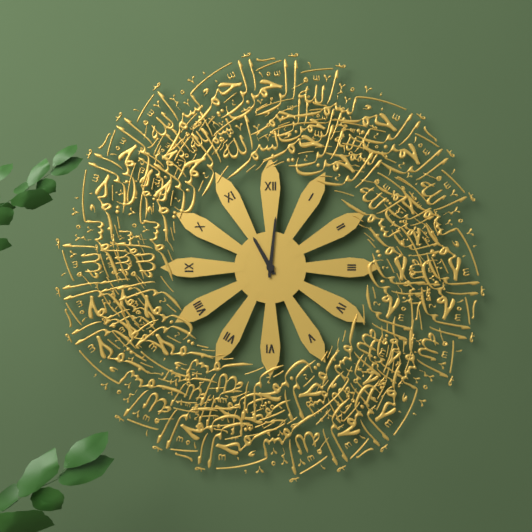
11,01
